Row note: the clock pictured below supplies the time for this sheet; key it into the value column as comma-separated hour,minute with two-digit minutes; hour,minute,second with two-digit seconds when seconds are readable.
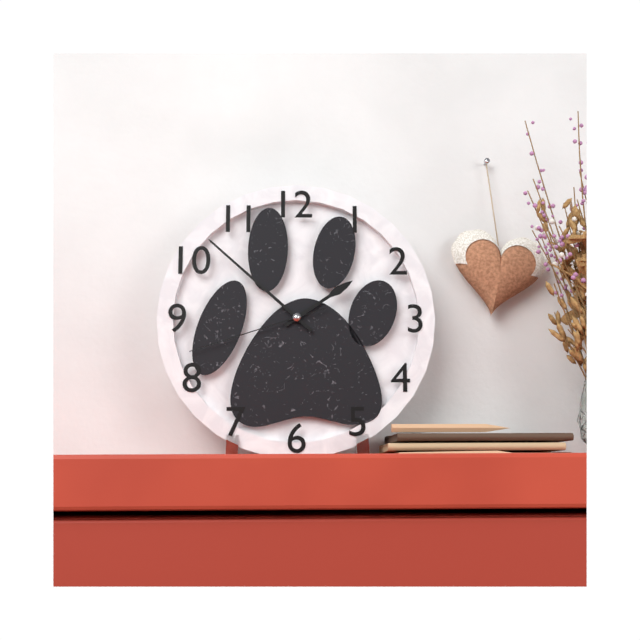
1,52,42
